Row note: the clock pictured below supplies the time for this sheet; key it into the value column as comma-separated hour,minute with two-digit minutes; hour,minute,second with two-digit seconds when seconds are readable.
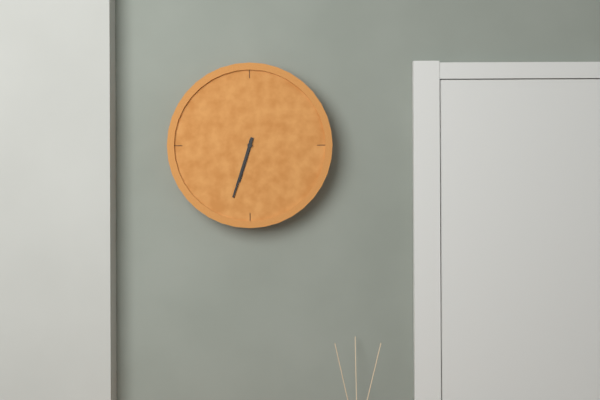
6,33
